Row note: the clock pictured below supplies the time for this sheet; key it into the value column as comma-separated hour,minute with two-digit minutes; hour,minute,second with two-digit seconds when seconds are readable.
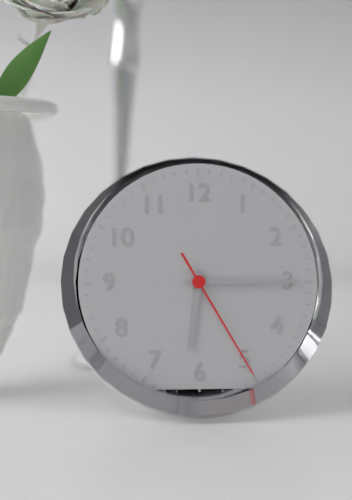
6,15,25
